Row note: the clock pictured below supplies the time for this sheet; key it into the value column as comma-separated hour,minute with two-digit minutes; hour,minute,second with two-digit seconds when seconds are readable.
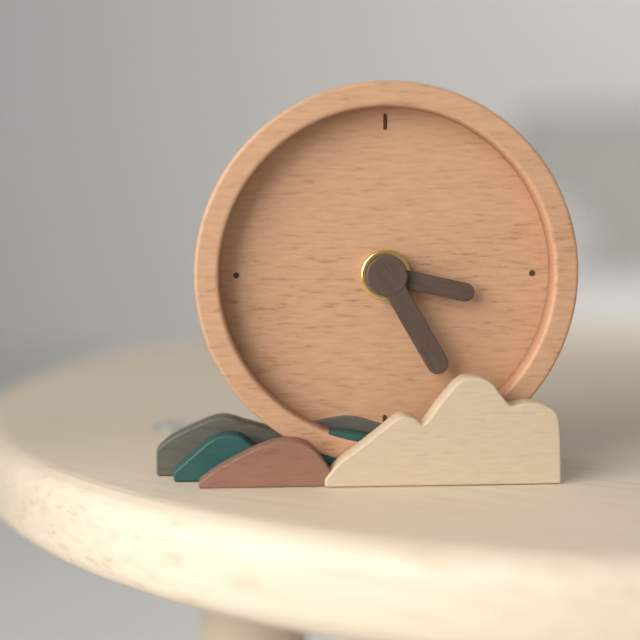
3,25
